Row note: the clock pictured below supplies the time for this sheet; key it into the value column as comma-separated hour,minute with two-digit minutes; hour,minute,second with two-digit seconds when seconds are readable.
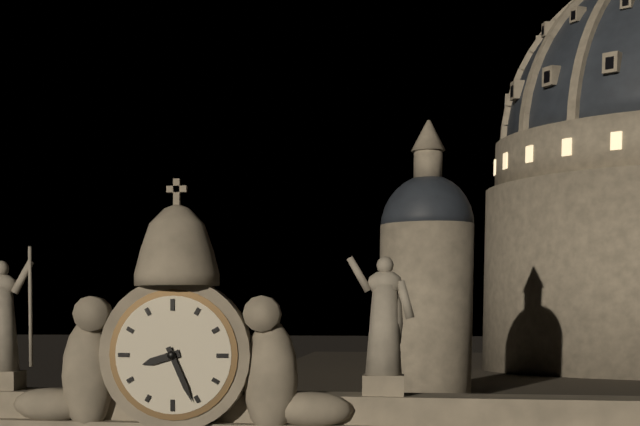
8,26
